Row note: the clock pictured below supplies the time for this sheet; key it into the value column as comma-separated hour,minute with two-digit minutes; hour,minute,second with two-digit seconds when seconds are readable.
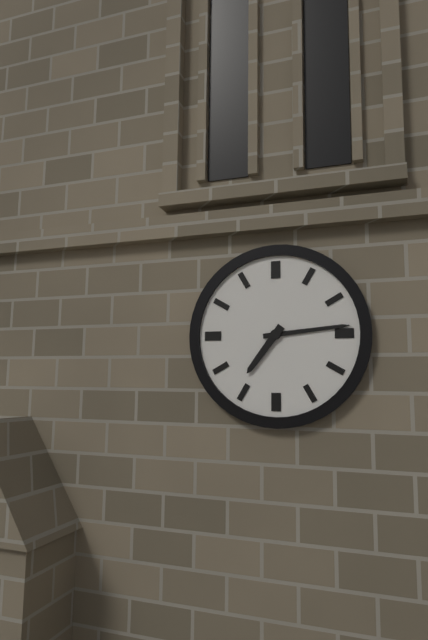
7,14
